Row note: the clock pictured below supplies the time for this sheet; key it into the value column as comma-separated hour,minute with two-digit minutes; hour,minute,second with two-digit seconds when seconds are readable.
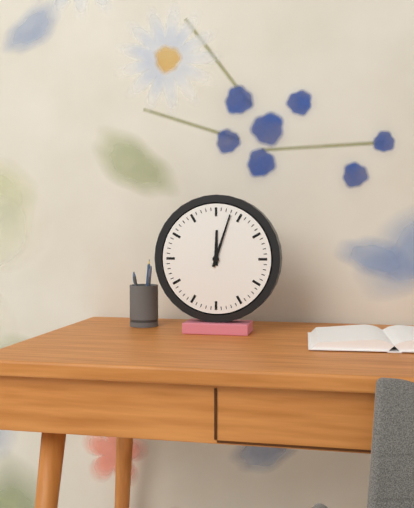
12,03
